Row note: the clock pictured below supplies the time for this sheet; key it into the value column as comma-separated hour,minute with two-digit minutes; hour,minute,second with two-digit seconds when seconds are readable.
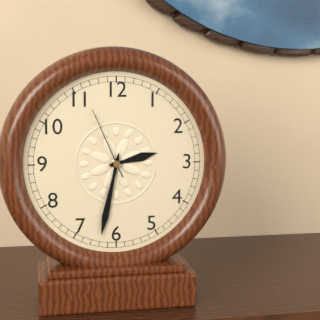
2,32,56
